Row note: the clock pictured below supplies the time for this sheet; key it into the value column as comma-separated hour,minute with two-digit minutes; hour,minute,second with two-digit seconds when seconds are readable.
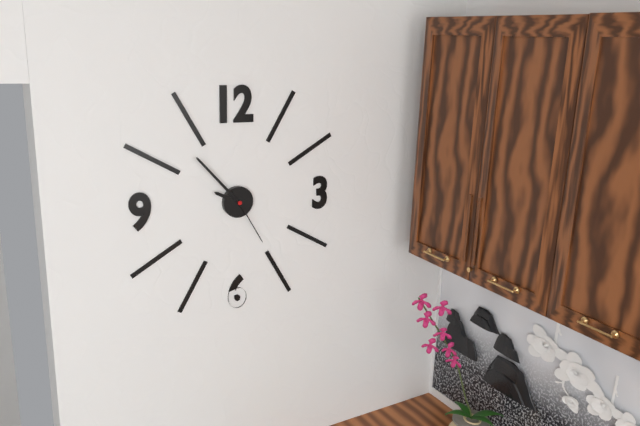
9,53,25
